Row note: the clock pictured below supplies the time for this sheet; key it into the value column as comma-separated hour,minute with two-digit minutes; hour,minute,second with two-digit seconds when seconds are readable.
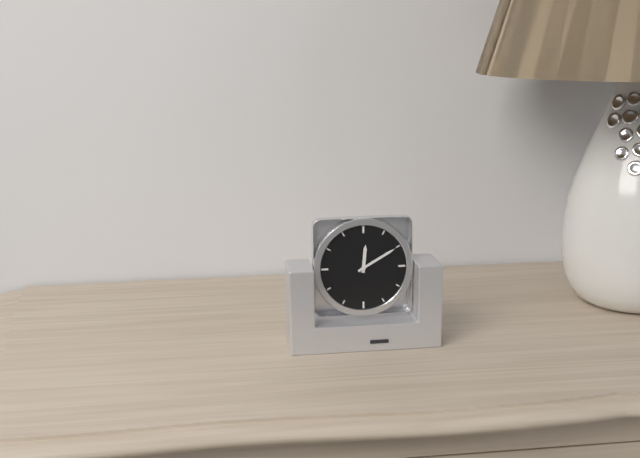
12,10
